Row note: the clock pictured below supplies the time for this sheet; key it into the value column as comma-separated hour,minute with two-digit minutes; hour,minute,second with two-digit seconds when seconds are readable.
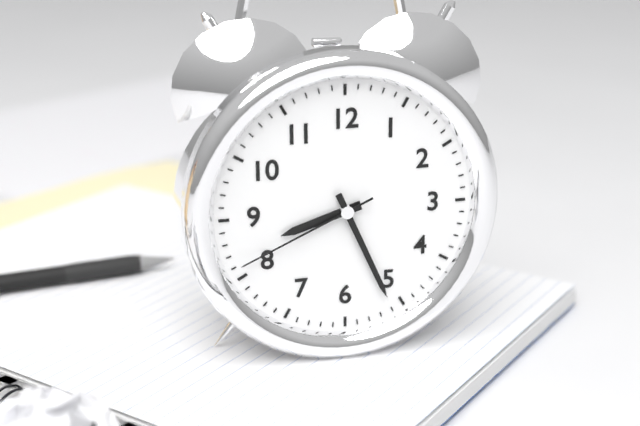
8,26,41
